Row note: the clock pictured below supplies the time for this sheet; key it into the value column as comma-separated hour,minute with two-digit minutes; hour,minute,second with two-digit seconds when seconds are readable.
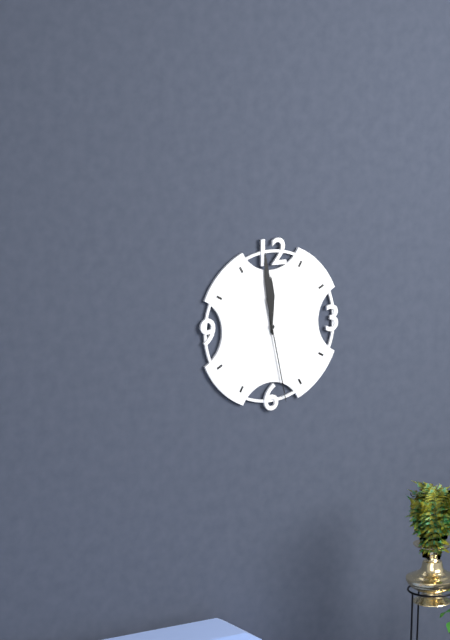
11,59,28
